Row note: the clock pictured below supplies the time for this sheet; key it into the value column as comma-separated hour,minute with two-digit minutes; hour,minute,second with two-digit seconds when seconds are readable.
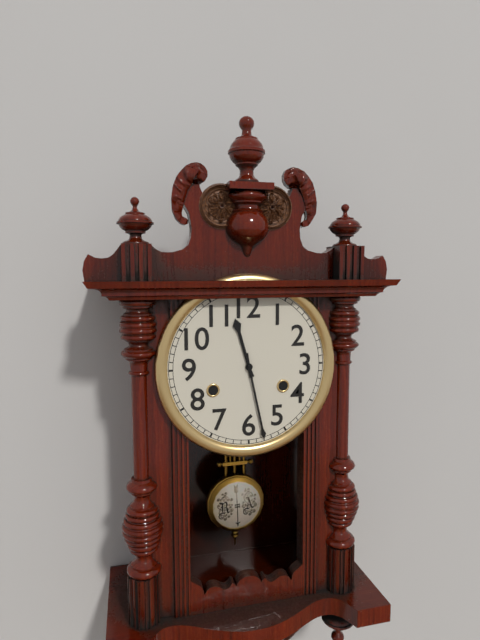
11,28
